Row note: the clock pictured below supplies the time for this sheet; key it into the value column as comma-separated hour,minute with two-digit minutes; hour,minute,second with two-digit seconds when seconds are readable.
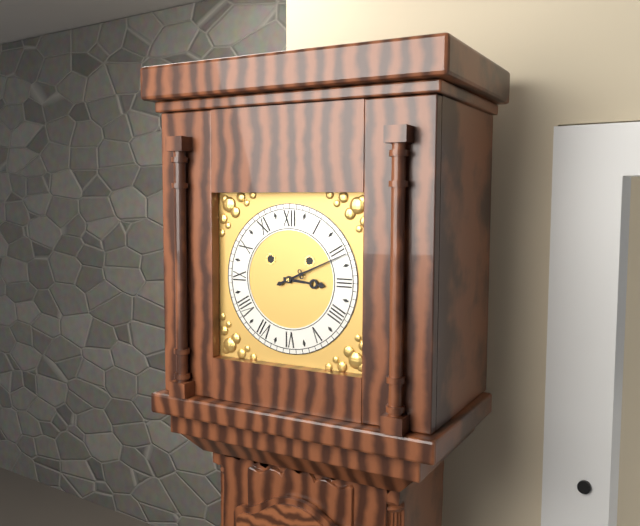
3,11
